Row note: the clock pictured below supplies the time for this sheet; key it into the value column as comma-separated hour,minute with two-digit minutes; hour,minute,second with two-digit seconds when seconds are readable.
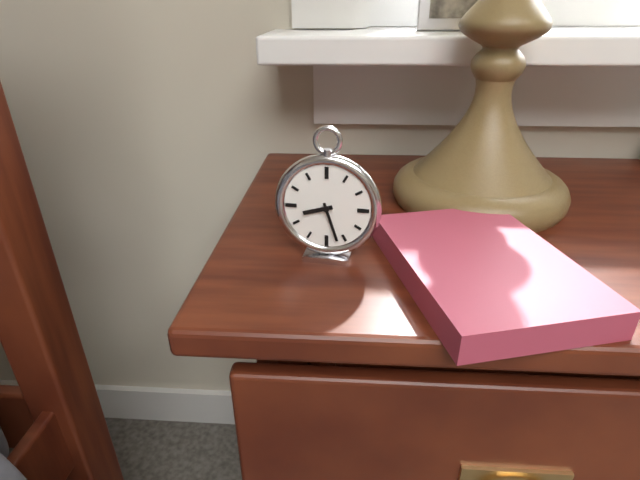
8,27
